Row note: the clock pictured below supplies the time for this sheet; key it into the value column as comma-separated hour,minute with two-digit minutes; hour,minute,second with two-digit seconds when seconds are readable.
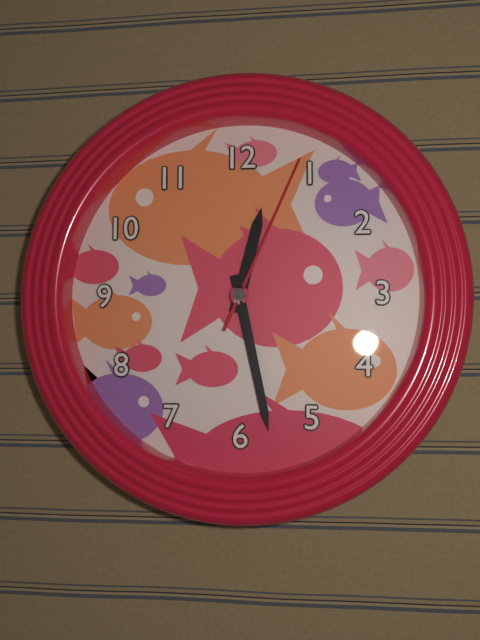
12,28,04
